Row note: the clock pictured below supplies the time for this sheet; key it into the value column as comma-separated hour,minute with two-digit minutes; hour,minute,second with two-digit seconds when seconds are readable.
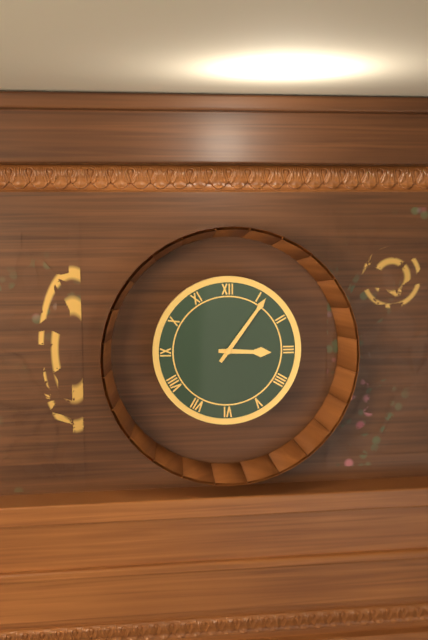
3,06
